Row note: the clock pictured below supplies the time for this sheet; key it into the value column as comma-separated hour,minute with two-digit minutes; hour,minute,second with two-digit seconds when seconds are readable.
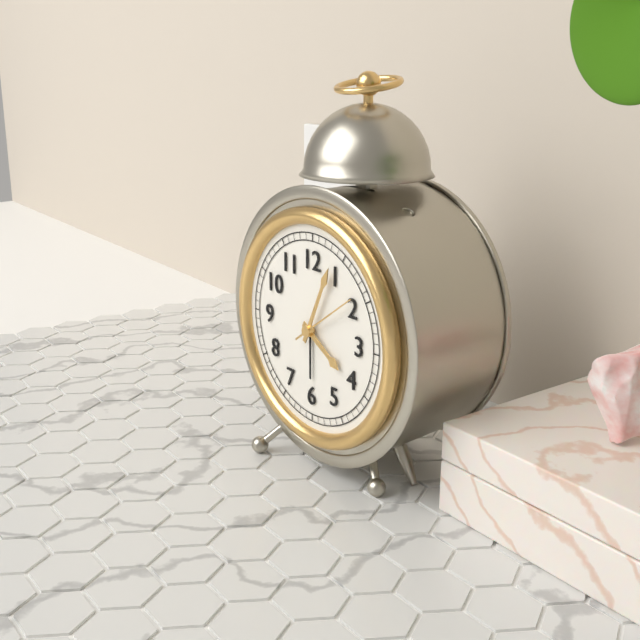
4,04,09
